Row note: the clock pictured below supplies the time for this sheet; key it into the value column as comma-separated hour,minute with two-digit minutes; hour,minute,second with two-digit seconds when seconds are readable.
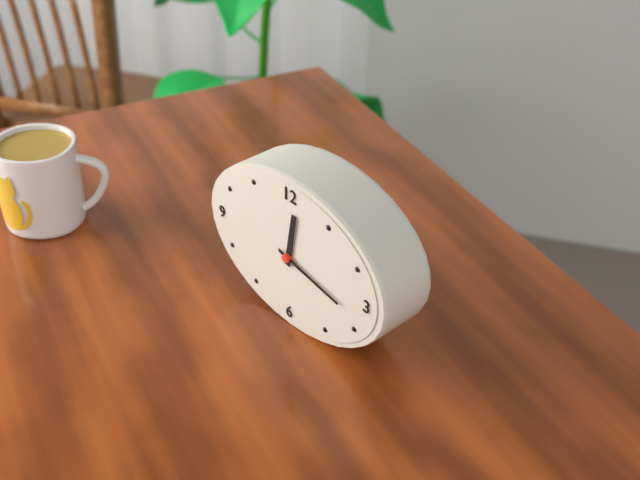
12,17
